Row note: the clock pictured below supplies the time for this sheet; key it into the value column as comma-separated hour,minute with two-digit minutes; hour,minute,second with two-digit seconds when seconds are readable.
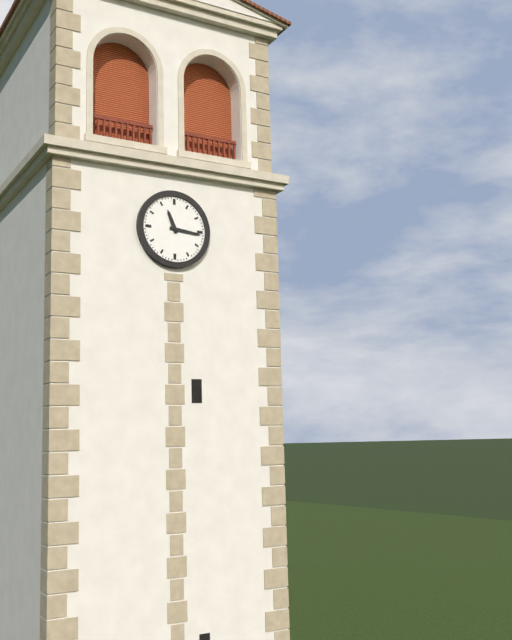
11,16
